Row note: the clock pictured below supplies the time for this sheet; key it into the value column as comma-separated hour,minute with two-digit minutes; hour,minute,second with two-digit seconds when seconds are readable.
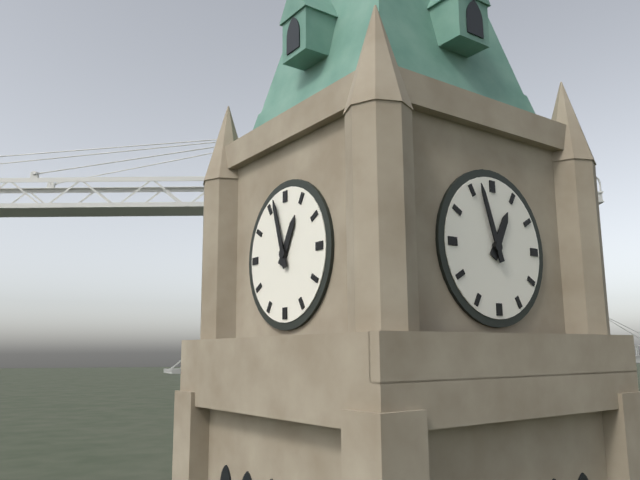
12,57
